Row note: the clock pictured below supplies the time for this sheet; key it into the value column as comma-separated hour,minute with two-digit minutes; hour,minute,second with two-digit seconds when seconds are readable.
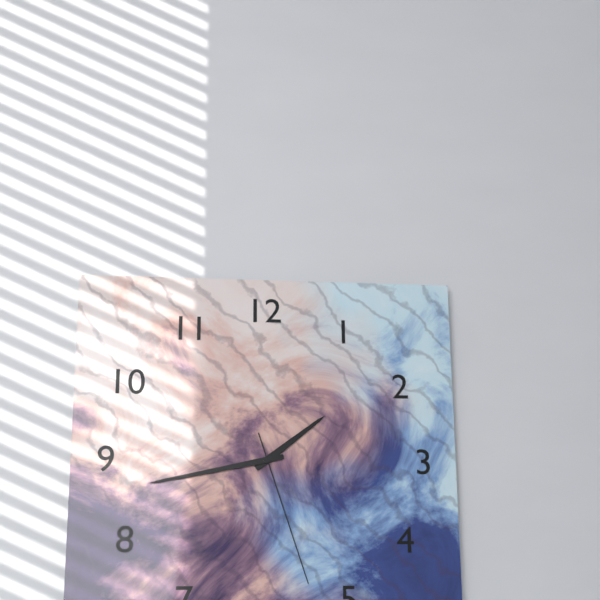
1,43,27
